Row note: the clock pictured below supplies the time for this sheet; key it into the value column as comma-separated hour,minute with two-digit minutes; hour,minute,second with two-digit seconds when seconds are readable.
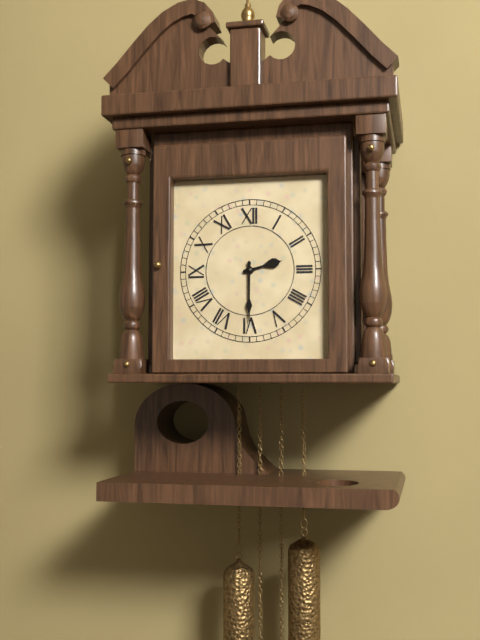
2,30
